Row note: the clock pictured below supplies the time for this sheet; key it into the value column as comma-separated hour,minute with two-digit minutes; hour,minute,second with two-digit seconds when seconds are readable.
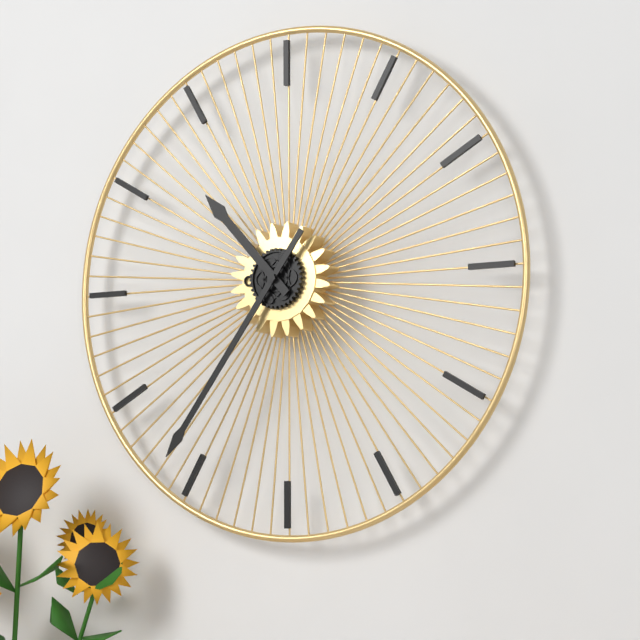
10,36
